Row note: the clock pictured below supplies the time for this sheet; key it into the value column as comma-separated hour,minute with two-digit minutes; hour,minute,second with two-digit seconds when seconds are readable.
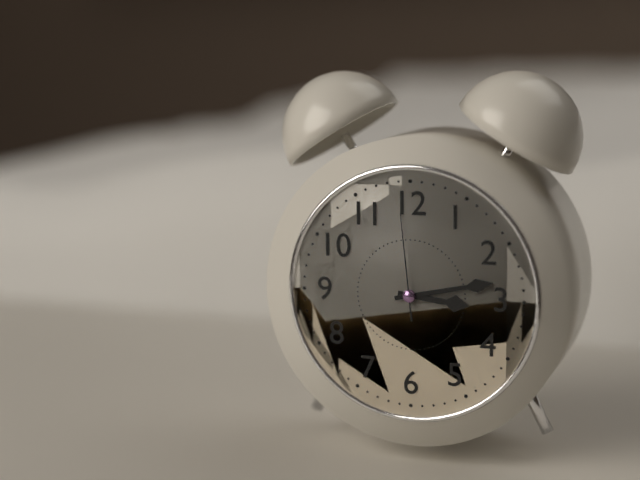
3,13,59
